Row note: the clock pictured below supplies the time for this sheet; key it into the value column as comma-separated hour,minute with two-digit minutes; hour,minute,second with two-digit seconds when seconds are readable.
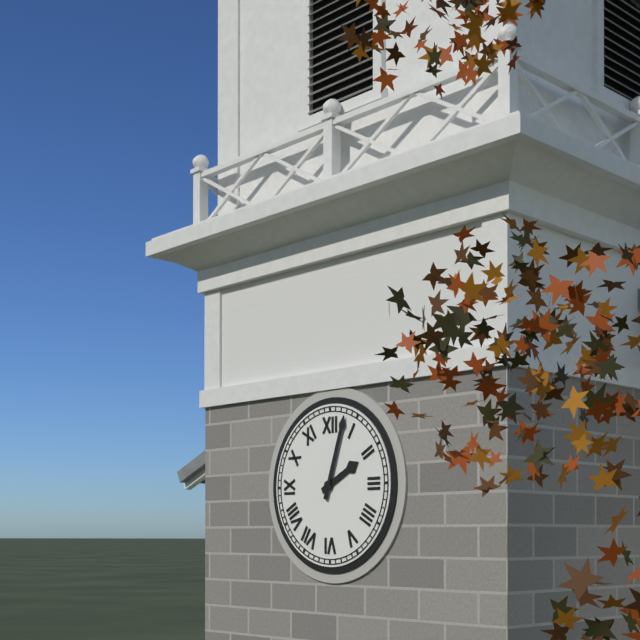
2,03
